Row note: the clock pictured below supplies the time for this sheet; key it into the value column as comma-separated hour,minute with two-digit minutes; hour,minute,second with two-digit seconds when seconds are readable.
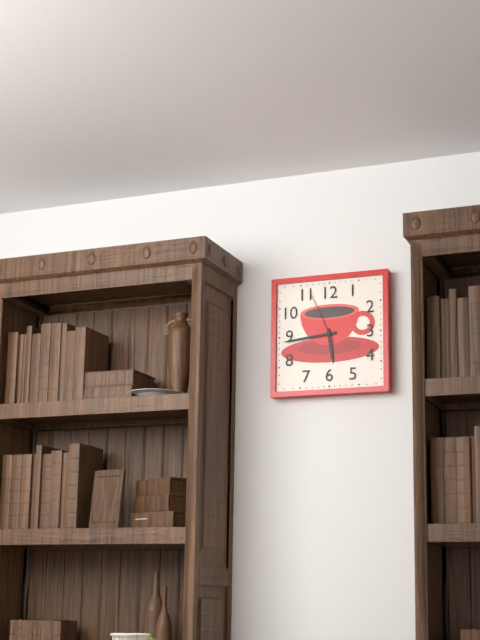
5,44,56
